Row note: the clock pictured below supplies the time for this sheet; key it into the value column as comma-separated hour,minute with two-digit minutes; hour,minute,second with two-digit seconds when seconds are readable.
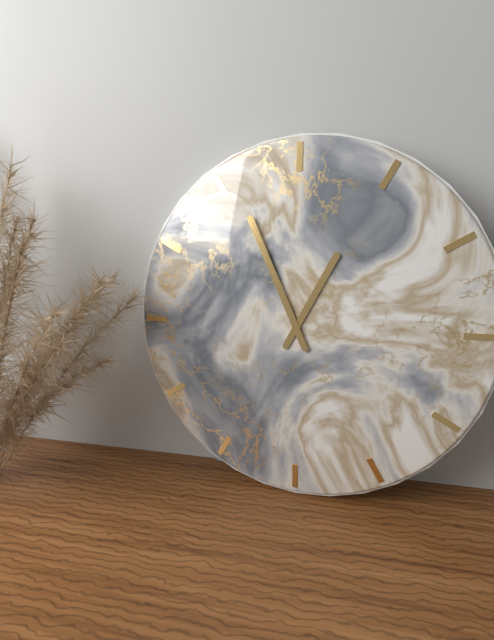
12,56
